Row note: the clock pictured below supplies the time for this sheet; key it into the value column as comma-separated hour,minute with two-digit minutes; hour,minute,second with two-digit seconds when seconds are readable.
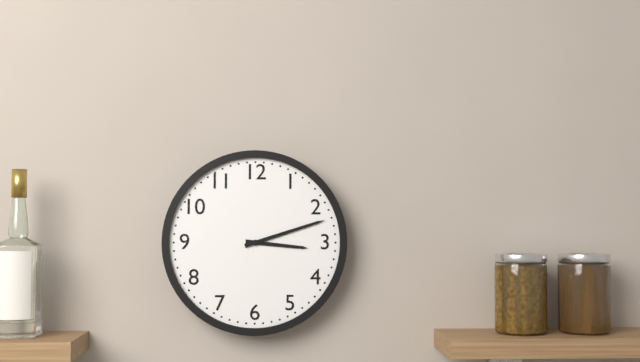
3,12
